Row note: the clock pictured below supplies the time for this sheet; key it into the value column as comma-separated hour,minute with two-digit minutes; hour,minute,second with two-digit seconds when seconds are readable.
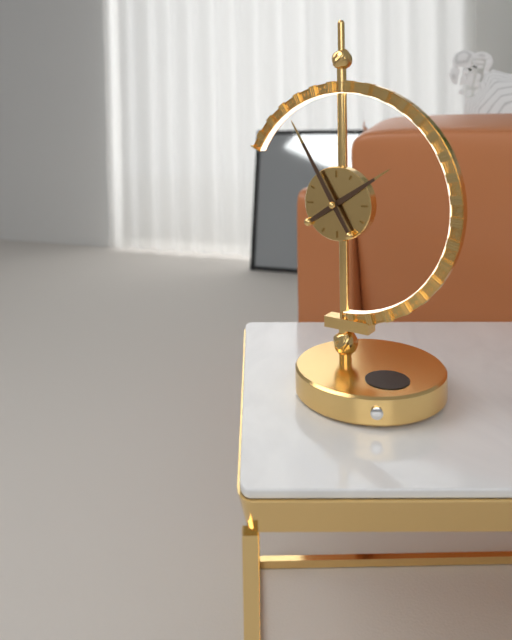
1,55
